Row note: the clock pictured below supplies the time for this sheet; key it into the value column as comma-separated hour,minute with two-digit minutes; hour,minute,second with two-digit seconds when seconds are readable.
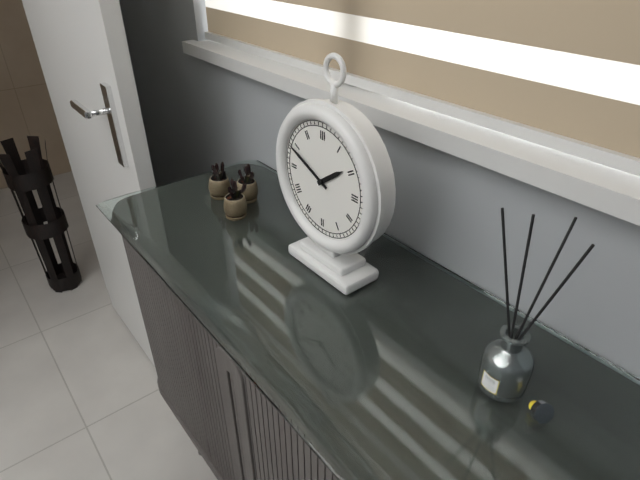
1,49
